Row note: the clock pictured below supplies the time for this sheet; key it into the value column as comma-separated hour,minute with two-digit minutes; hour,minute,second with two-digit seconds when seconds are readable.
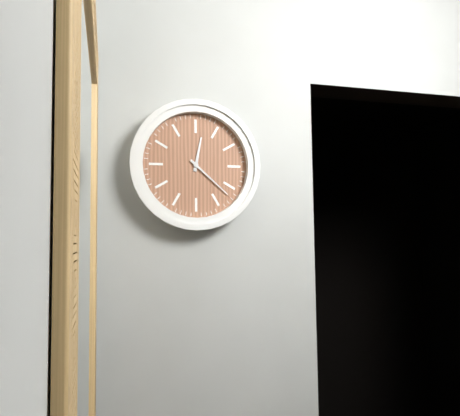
12,22
